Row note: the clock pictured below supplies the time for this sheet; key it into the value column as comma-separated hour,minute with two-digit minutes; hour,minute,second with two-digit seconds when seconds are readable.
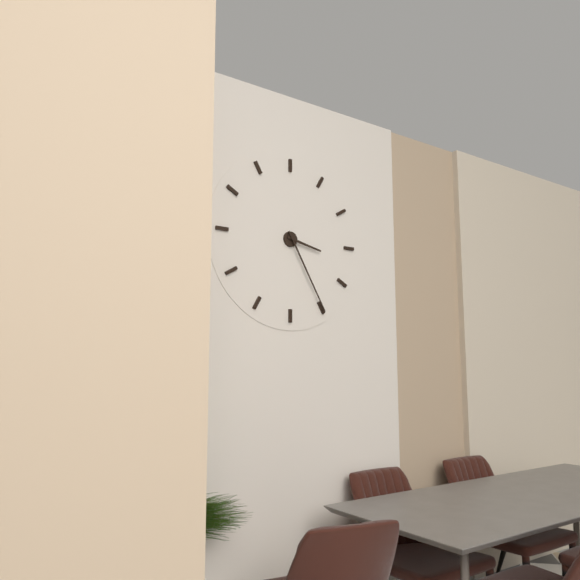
3,25
